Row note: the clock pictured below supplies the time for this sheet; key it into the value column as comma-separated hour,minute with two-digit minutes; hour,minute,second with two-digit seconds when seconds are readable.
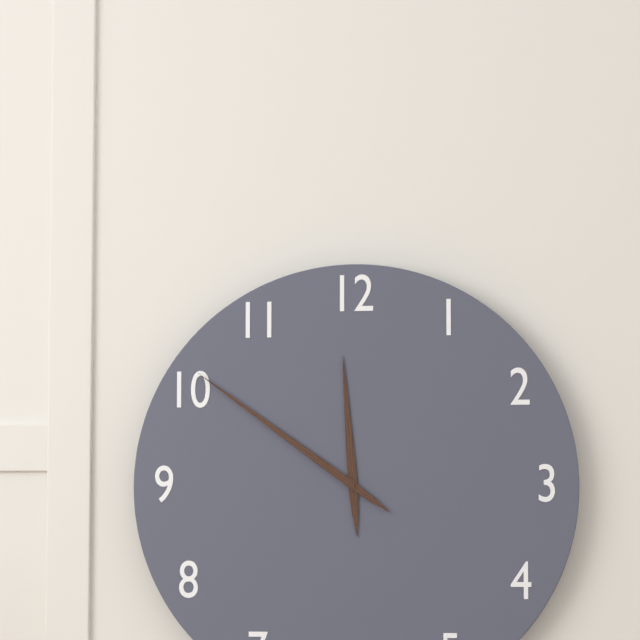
11,51
